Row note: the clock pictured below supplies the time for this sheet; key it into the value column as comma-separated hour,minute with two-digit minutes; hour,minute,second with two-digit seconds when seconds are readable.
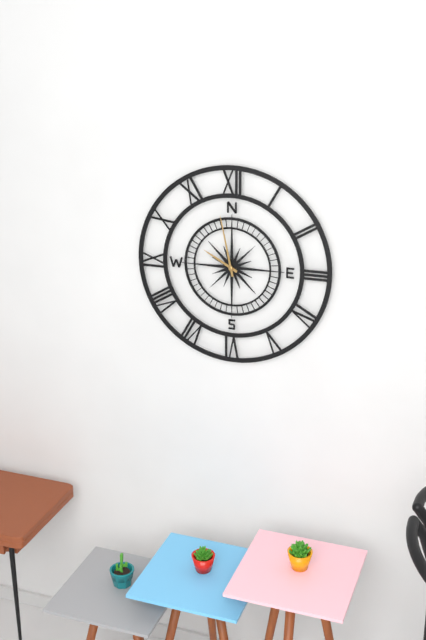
9,58
